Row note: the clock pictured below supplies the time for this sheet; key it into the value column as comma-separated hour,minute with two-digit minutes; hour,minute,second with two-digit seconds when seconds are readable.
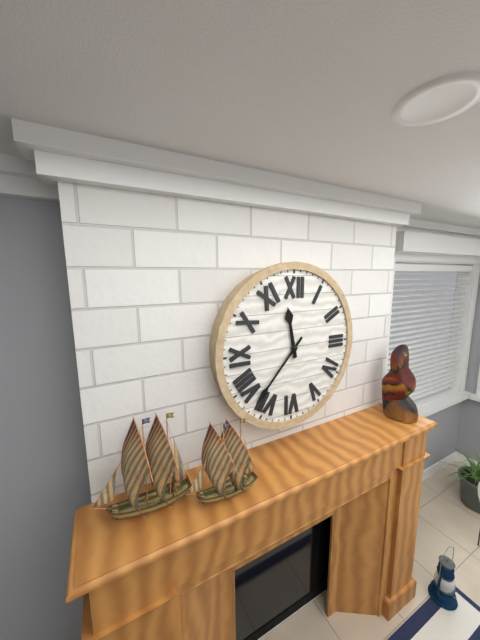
11,37
